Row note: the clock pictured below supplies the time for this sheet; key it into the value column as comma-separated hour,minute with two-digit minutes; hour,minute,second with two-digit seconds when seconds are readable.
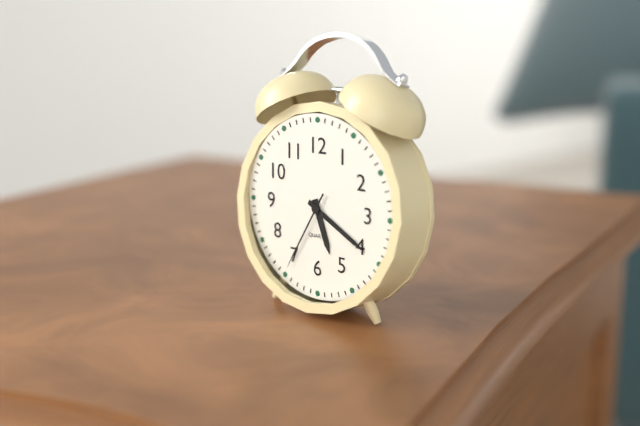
5,20,35
